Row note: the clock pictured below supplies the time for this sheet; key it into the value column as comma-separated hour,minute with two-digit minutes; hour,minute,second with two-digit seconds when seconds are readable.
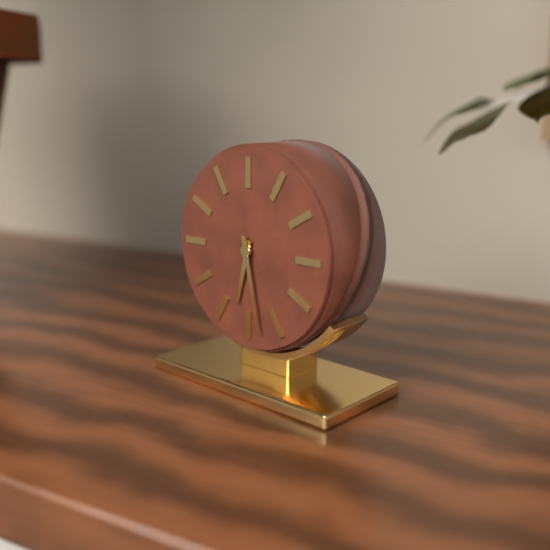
6,28
